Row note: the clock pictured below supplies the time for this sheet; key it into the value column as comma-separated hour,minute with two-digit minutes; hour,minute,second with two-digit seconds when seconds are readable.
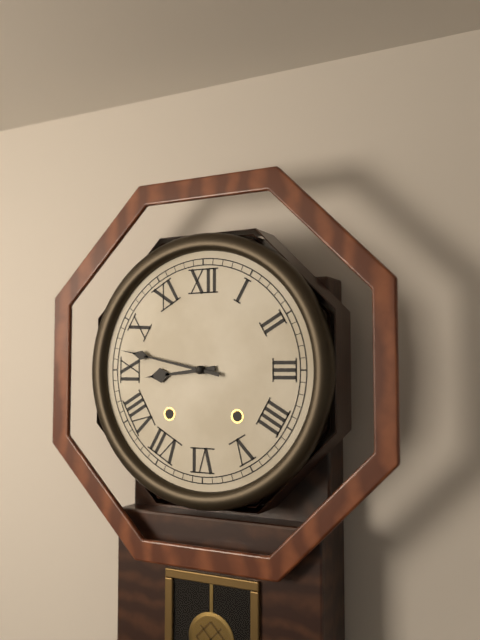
8,47
